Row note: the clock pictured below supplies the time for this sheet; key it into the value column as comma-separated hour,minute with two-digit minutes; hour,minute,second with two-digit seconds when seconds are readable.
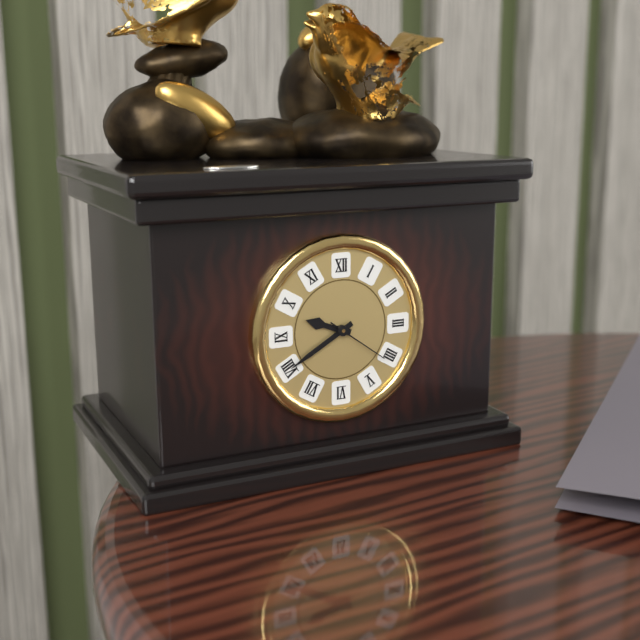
9,40,21
